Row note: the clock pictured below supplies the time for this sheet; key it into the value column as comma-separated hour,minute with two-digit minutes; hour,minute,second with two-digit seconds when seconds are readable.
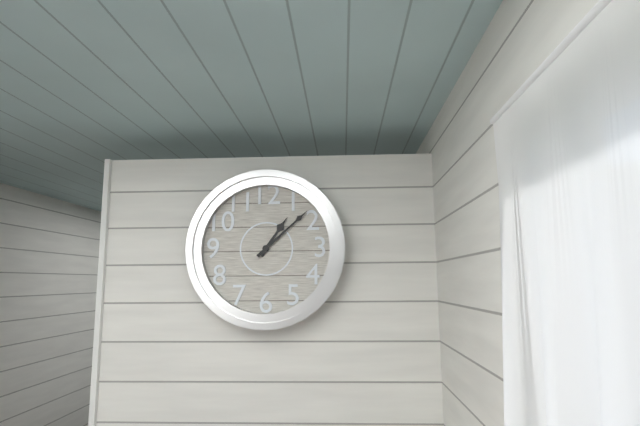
1,08
